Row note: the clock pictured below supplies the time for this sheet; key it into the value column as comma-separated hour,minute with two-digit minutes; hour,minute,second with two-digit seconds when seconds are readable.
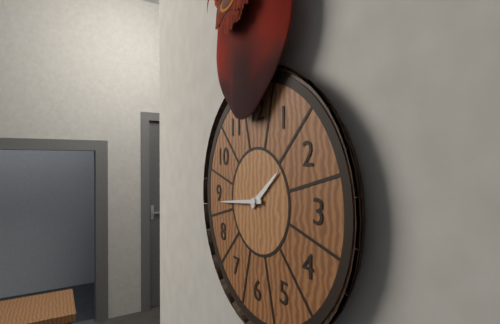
1,44
